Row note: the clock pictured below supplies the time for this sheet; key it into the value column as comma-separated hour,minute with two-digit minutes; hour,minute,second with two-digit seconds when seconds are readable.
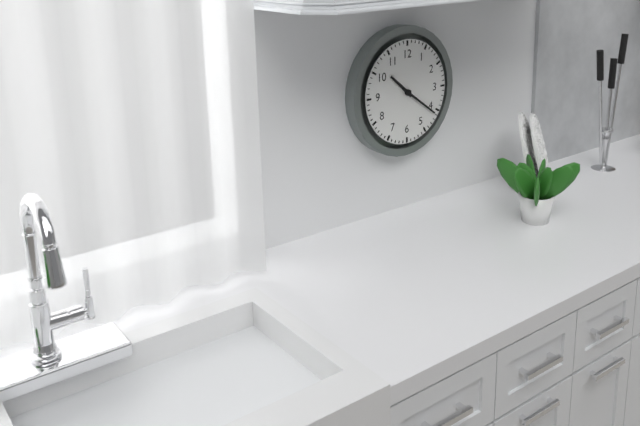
10,21
